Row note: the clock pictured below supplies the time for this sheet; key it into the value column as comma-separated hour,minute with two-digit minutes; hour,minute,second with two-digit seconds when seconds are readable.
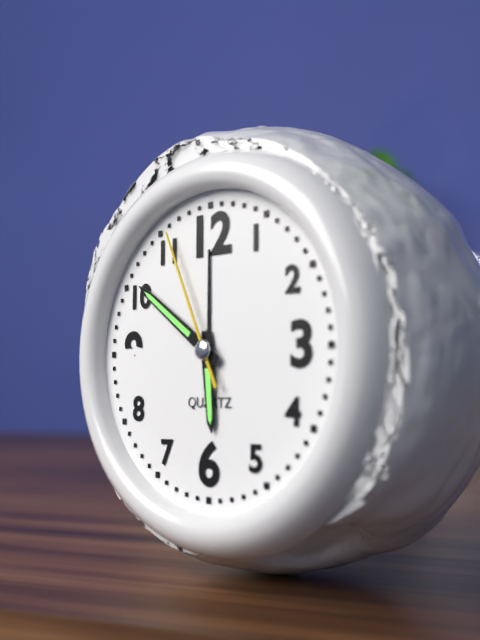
5,51,56
